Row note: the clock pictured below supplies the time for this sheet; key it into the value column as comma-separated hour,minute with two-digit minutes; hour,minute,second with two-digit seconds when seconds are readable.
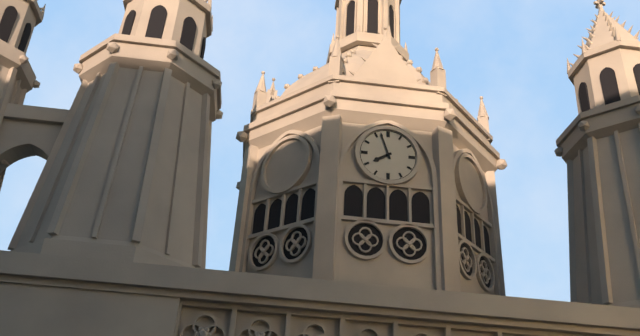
7,57
